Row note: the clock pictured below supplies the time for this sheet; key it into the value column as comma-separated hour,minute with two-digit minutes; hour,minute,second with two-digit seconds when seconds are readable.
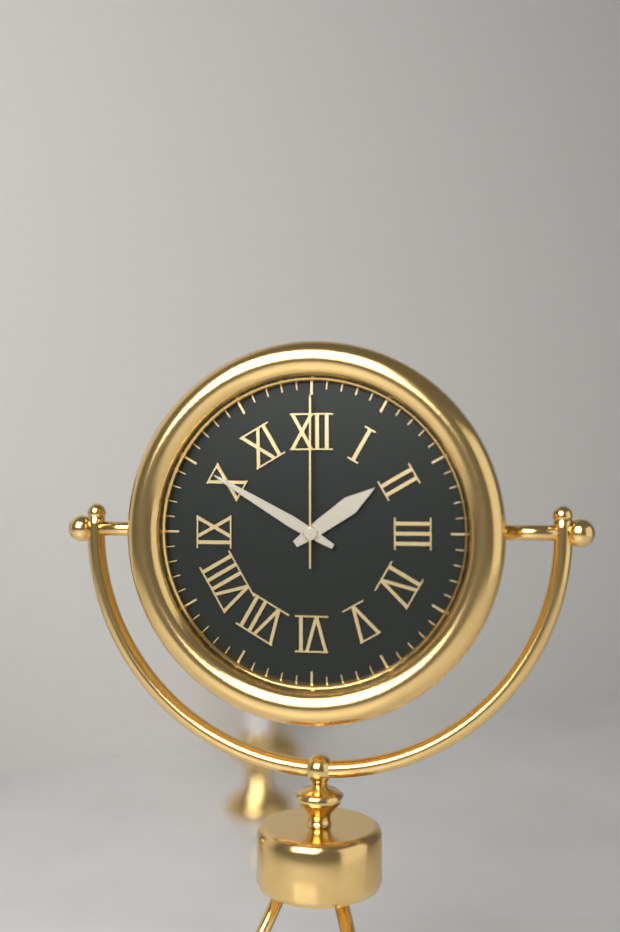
1,50,00
